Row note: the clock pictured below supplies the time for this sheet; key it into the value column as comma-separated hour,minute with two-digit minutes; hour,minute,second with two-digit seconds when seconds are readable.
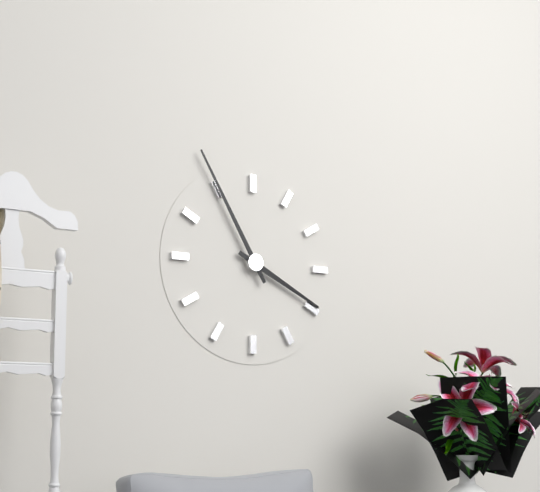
3,55
